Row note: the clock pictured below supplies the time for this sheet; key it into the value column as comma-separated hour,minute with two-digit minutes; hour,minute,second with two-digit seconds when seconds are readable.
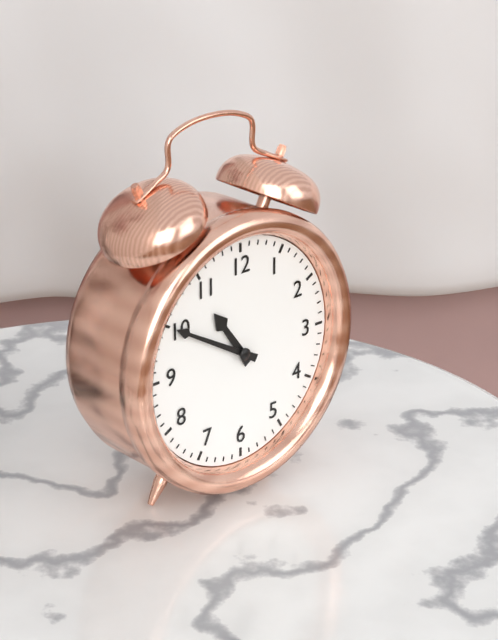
10,50
